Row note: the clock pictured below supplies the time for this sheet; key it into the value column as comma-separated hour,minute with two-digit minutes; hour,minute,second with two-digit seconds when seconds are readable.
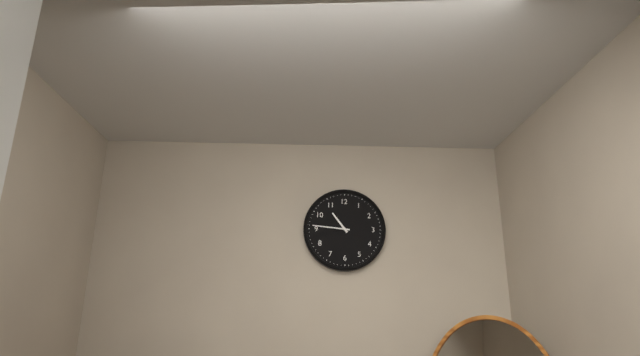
10,46
